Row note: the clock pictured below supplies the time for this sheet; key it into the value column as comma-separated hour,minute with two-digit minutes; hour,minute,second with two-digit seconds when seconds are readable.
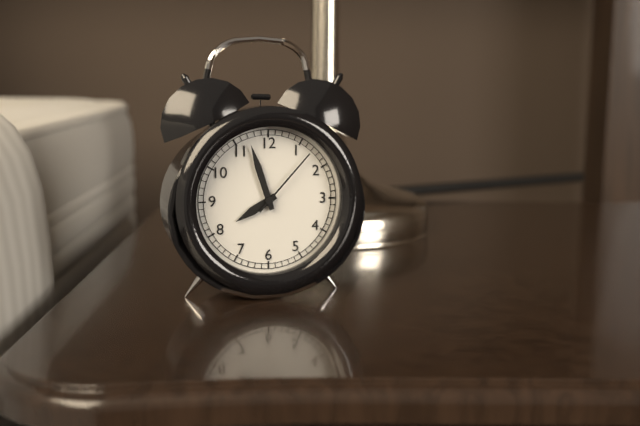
7,57,07
